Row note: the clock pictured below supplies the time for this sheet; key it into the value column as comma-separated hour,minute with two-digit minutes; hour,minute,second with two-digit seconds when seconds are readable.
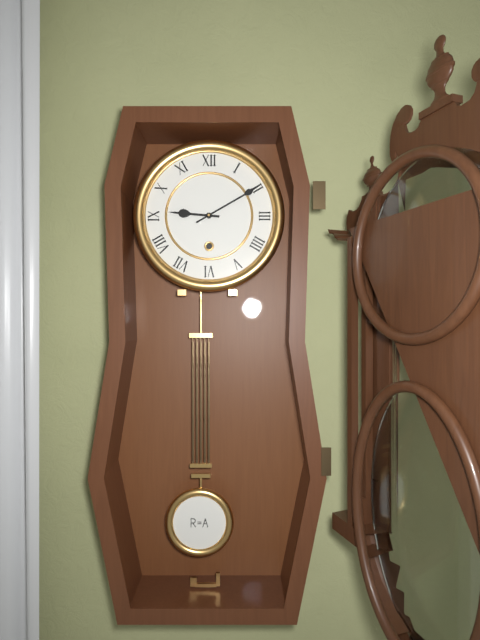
9,10
